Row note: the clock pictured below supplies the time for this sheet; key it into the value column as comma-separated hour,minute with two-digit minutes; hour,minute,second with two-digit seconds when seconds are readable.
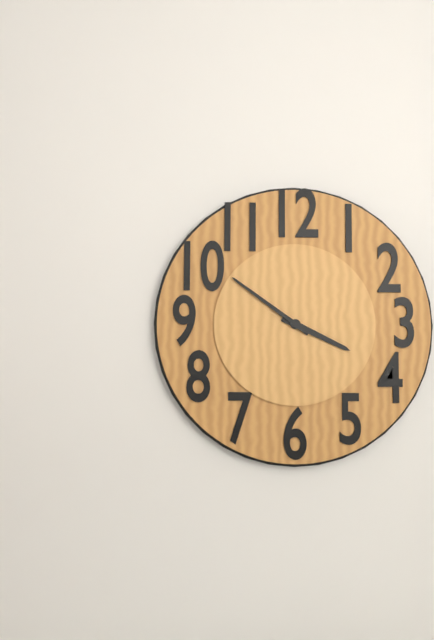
3,51
